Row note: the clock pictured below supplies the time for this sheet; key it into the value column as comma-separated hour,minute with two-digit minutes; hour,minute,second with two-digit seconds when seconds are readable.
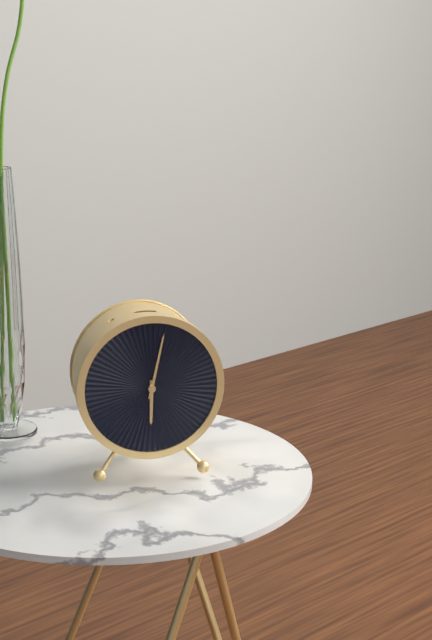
6,02
